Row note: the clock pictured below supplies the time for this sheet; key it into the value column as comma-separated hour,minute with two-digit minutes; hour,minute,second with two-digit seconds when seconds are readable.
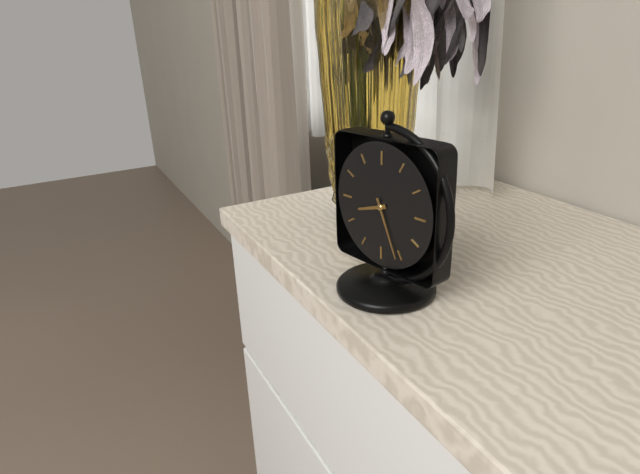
8,26
